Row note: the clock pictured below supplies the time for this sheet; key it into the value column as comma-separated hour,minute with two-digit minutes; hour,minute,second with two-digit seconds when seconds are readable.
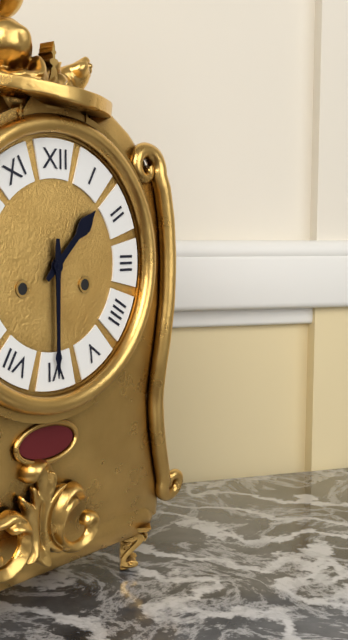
1,30
